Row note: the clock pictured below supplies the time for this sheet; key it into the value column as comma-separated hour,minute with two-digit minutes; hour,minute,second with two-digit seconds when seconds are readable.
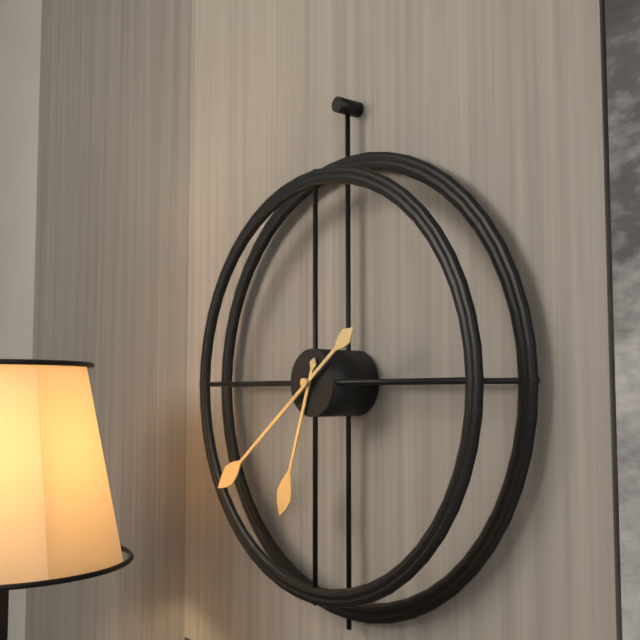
6,39
